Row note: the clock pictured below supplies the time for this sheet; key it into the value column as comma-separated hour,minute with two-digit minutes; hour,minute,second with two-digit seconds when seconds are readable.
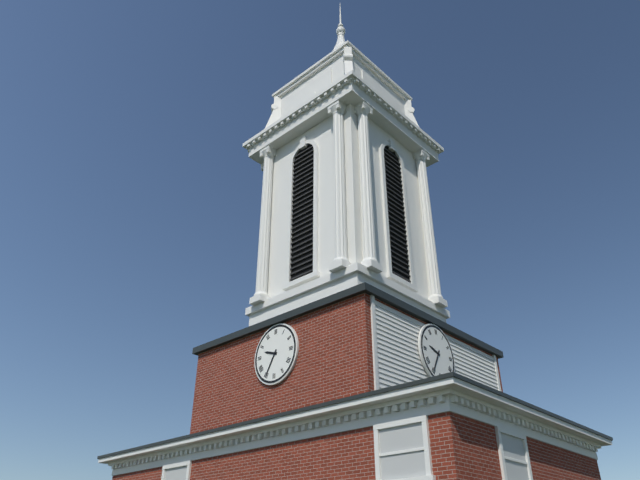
9,35
